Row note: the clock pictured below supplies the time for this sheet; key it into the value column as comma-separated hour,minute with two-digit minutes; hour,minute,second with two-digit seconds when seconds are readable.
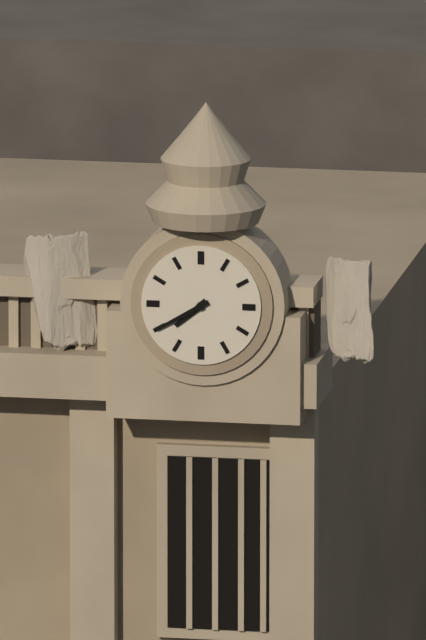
7,40
